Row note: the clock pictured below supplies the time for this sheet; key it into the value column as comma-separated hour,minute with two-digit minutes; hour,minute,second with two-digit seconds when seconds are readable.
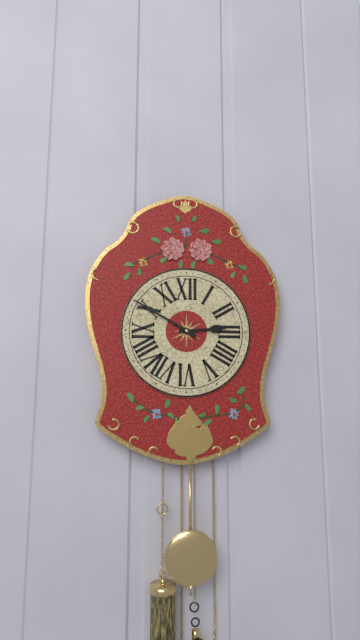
2,50
